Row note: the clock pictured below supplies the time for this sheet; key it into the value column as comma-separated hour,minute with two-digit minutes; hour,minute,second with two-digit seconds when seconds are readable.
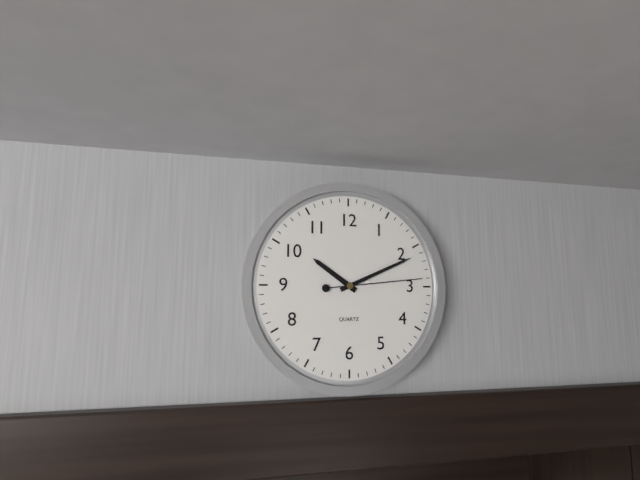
10,11,14
